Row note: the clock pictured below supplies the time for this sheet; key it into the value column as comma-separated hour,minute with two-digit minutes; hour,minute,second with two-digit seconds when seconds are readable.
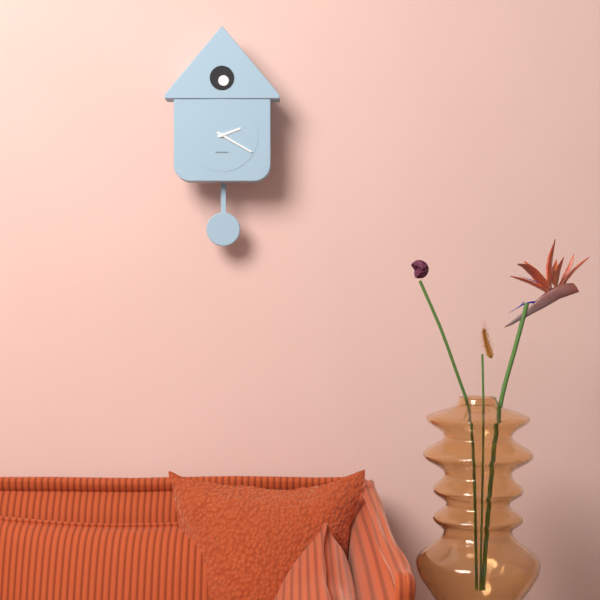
2,20
